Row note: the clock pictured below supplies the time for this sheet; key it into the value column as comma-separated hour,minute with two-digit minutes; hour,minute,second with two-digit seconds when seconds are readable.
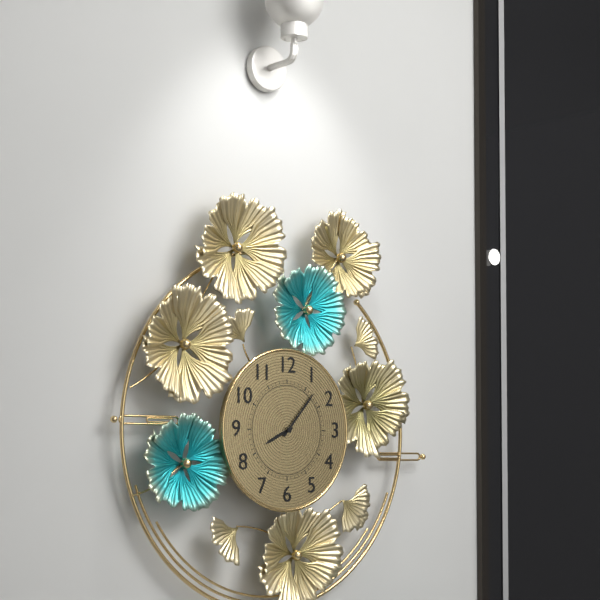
8,07
